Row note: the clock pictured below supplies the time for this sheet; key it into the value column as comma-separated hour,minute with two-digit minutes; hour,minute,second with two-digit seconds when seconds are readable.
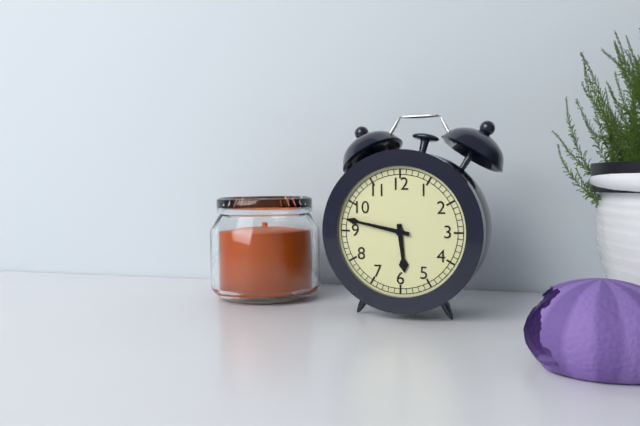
5,47
